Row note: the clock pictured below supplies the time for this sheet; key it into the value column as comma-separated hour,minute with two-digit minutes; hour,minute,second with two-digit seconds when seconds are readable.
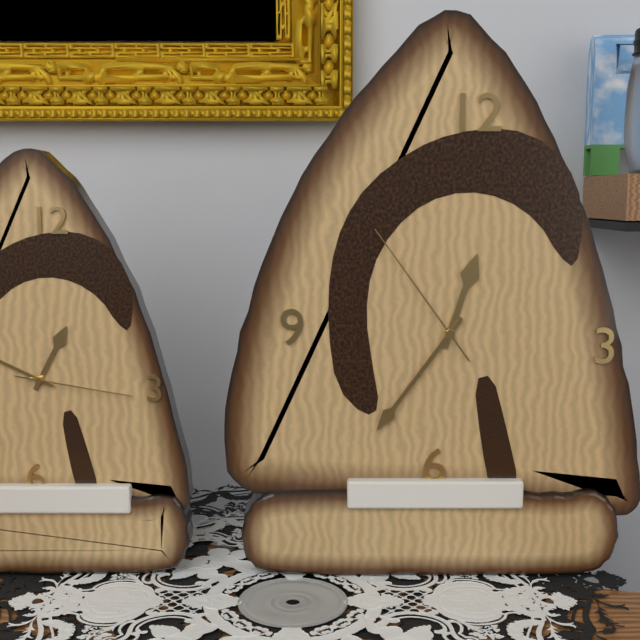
12,36,54
